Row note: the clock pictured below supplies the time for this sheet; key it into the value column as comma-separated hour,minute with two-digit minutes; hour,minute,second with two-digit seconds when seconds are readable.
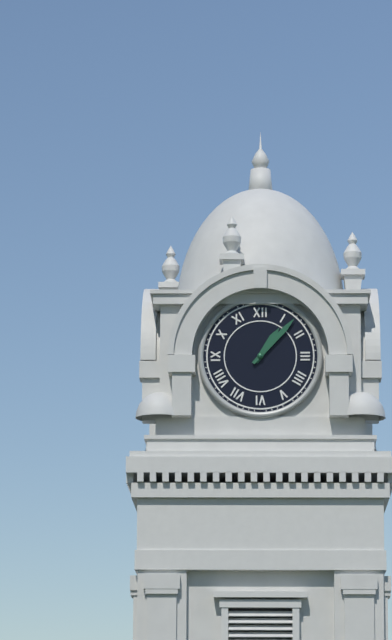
1,07
